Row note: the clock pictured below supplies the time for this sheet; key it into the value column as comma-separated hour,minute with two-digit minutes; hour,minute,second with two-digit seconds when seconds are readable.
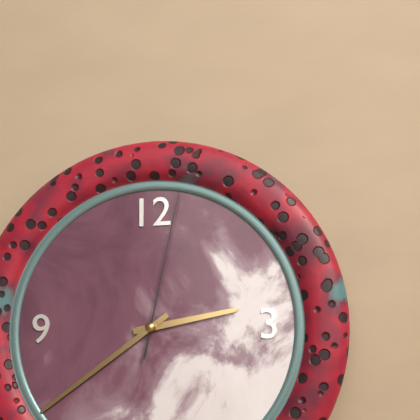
2,39,02
